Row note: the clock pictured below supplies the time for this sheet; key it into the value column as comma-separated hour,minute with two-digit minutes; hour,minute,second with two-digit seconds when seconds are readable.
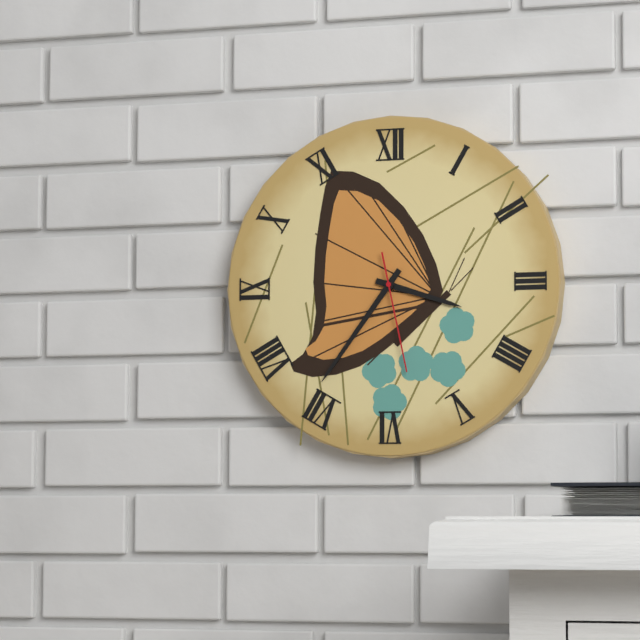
3,36,28
